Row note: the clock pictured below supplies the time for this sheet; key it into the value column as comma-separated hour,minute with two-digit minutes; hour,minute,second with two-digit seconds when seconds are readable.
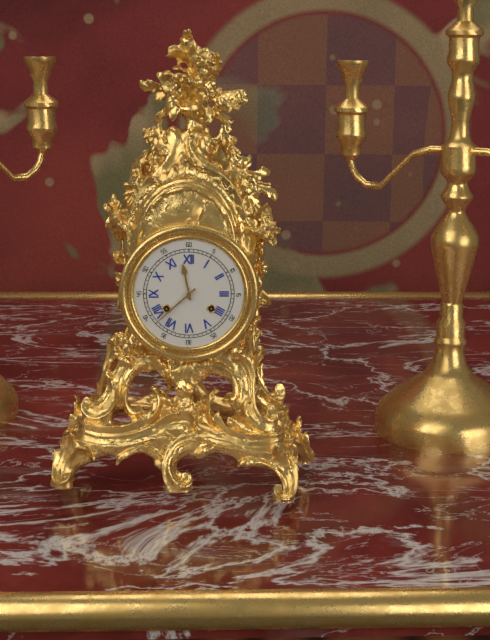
11,38
